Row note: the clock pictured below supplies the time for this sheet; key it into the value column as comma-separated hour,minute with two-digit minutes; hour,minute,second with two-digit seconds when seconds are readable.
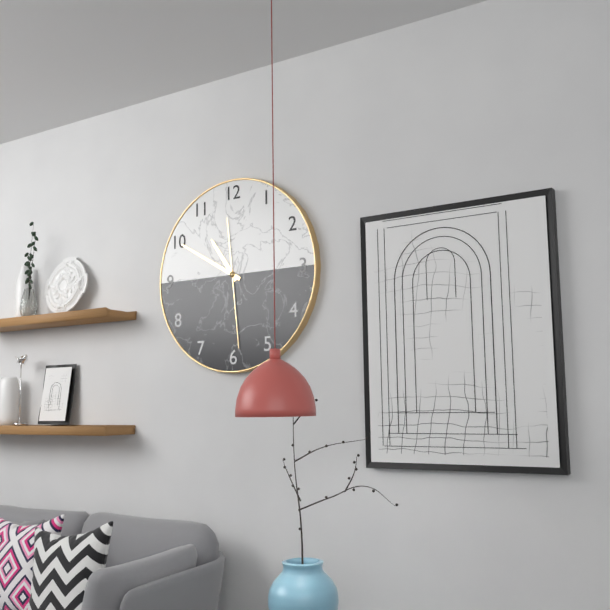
10,50,29
